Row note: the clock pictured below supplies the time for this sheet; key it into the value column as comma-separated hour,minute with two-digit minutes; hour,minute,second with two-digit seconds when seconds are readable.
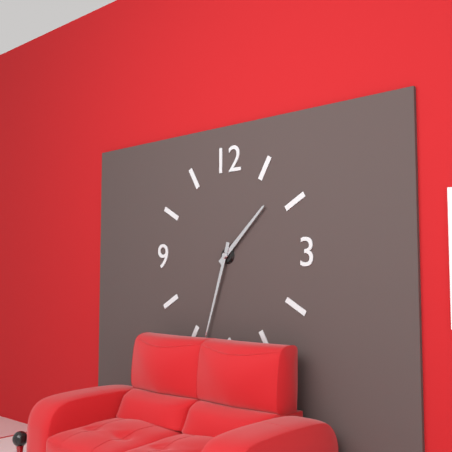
1,33
